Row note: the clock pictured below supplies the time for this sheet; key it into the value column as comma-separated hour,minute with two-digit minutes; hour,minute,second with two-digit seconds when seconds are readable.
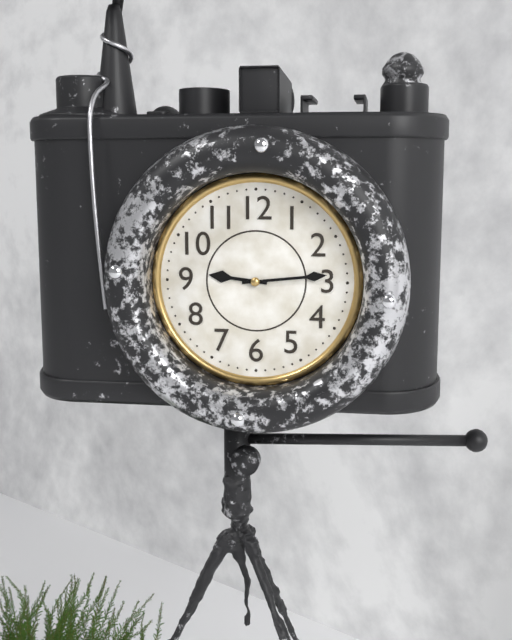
9,14
